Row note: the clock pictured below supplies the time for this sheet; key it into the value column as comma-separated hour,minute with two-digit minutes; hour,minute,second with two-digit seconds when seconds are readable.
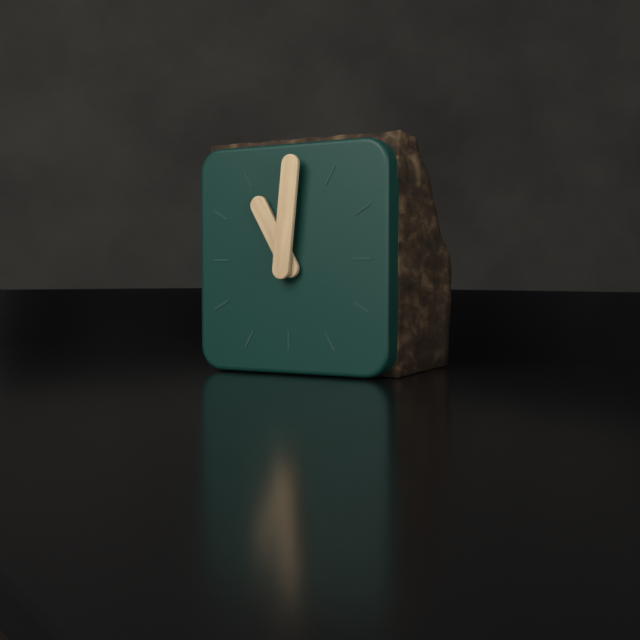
11,01
